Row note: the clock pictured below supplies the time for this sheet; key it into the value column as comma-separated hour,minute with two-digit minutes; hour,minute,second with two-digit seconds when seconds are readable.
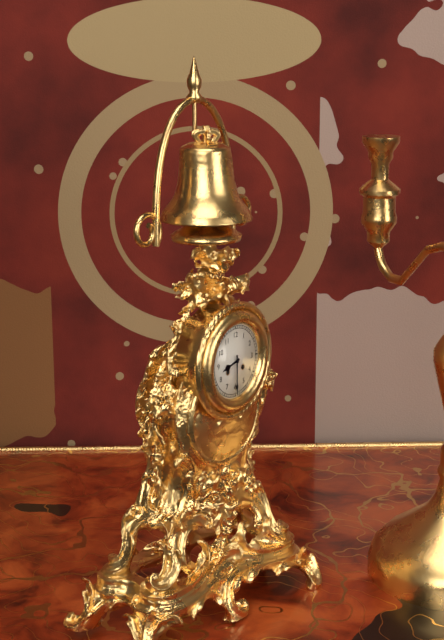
8,30
